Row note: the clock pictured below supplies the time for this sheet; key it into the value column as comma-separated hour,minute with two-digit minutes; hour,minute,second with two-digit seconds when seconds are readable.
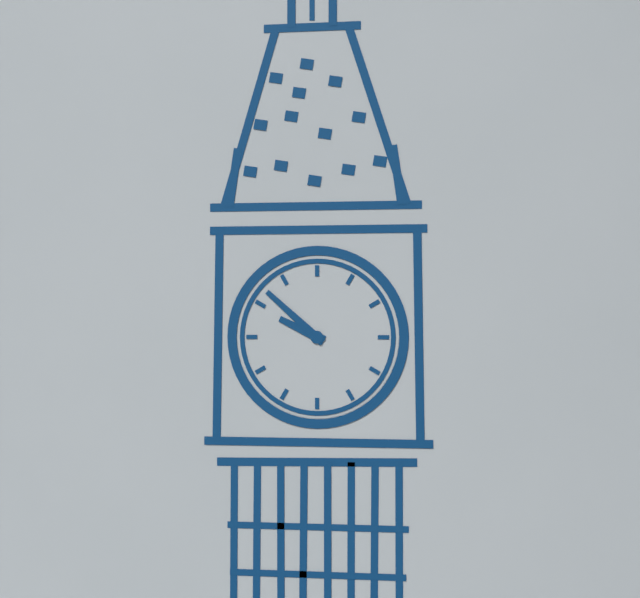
9,52
